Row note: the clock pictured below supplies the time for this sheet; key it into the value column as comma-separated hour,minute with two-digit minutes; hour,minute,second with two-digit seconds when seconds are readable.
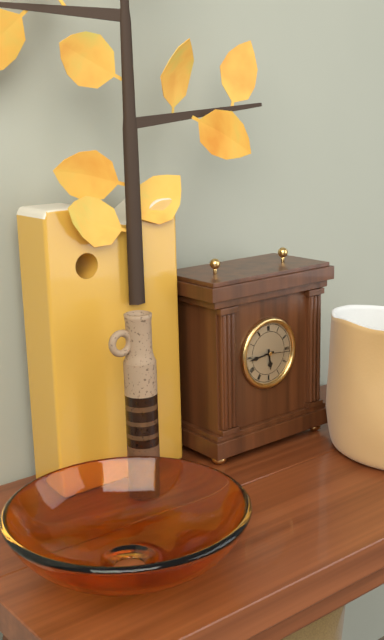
5,44
